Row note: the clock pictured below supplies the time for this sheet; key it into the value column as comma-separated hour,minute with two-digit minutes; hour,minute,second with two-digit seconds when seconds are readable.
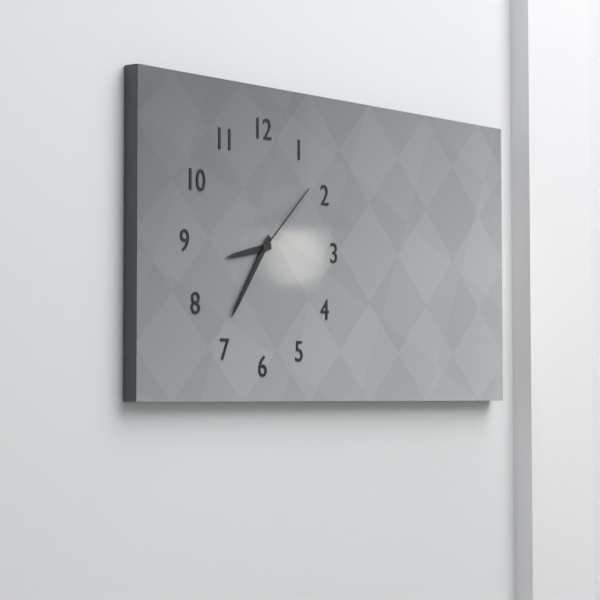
8,36,08
